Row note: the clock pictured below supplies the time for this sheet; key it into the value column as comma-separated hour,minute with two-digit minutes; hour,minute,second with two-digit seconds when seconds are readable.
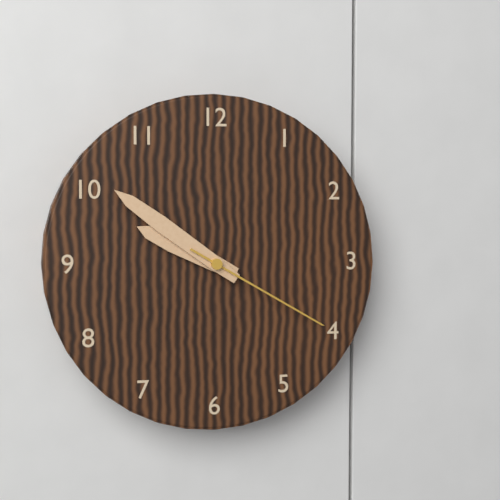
9,51,20
